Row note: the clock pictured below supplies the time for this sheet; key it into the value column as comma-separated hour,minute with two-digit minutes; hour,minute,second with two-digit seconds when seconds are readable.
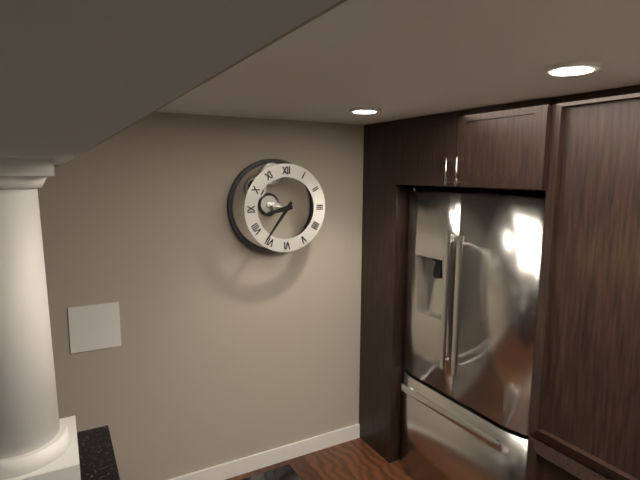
8,36
